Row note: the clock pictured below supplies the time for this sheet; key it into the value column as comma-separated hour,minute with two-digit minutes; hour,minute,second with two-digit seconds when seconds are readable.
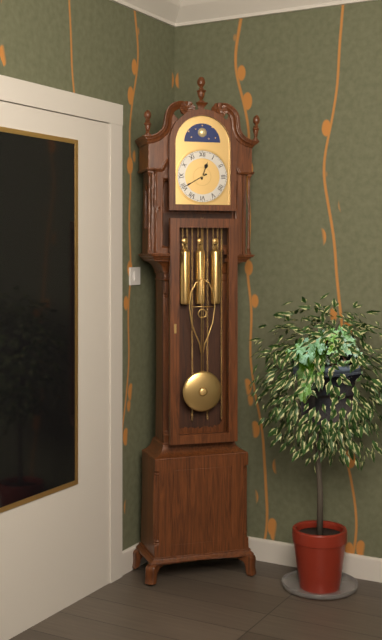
12,40
